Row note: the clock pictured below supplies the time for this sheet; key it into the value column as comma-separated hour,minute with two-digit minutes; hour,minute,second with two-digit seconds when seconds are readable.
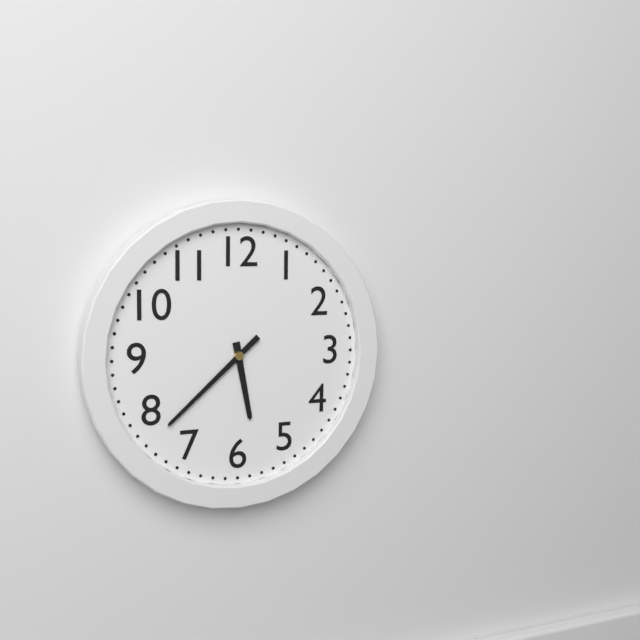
5,38
